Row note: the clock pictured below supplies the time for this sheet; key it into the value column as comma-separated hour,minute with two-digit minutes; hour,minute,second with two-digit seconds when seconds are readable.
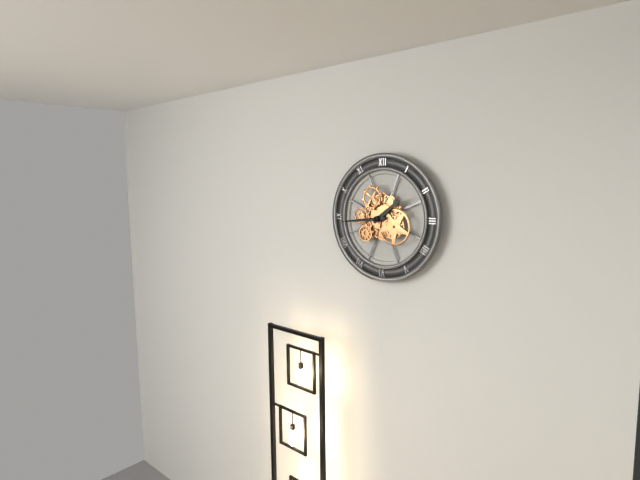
1,44
